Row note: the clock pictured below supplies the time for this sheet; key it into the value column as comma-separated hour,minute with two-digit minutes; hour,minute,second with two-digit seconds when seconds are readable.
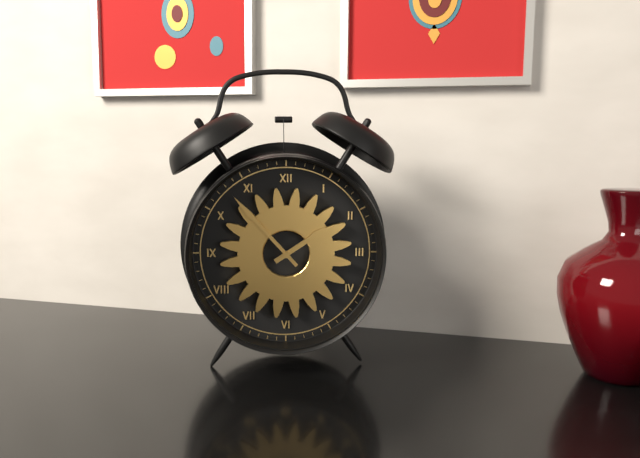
1,53
